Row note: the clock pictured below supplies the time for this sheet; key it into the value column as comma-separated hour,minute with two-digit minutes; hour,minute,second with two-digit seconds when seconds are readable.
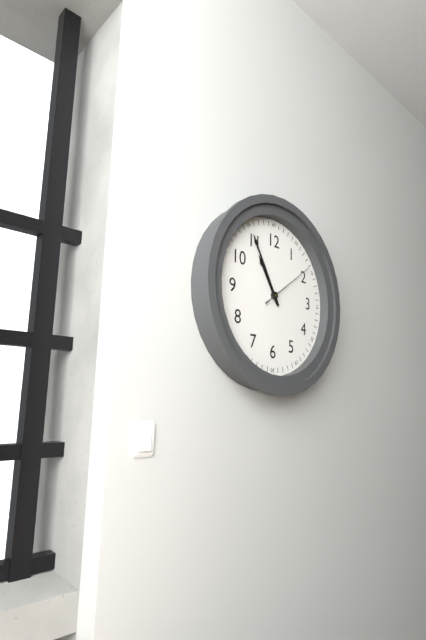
10,55,09
